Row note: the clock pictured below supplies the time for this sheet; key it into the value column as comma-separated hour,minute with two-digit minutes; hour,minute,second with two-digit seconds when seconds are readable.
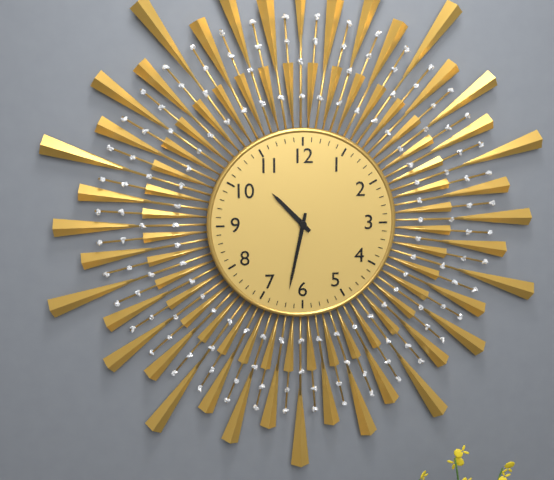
10,32
